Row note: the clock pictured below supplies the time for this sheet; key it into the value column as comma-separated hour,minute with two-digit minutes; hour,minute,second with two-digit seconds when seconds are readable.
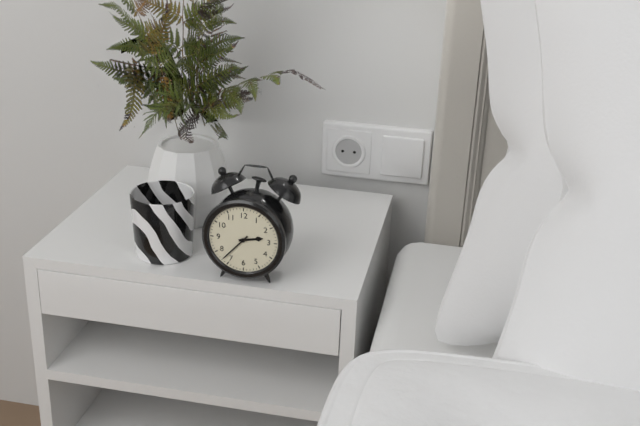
2,37
